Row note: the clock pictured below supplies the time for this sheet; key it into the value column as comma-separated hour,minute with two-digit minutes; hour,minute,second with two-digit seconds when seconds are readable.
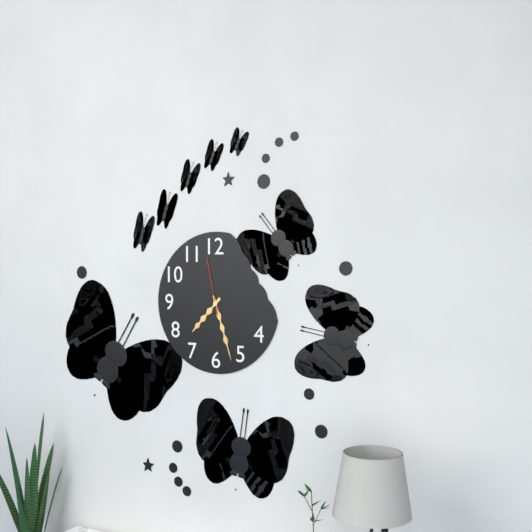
7,27,58
